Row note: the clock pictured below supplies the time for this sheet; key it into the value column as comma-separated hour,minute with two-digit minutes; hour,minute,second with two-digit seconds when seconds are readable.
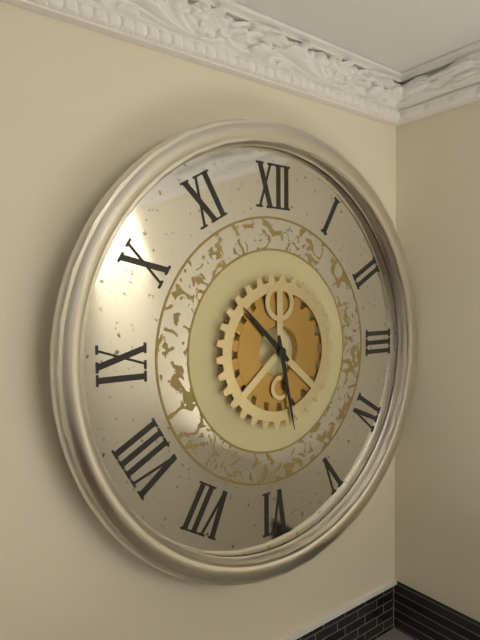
10,28
